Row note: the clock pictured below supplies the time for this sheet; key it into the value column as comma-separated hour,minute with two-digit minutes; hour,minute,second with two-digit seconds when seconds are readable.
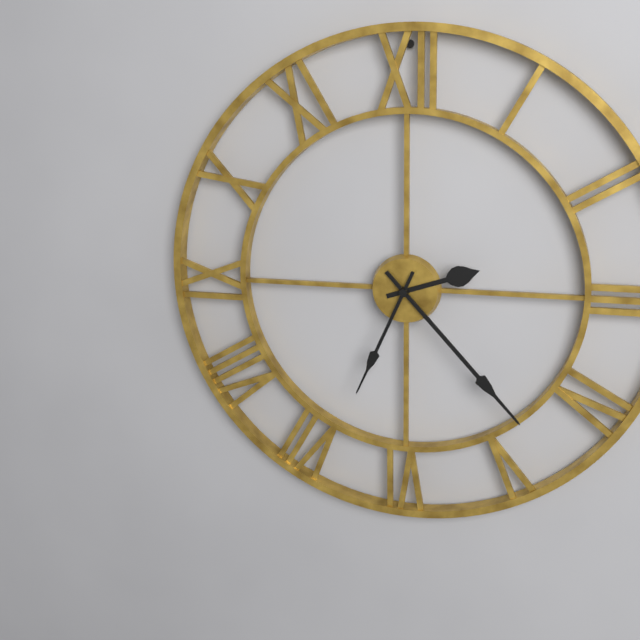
2,23,34
